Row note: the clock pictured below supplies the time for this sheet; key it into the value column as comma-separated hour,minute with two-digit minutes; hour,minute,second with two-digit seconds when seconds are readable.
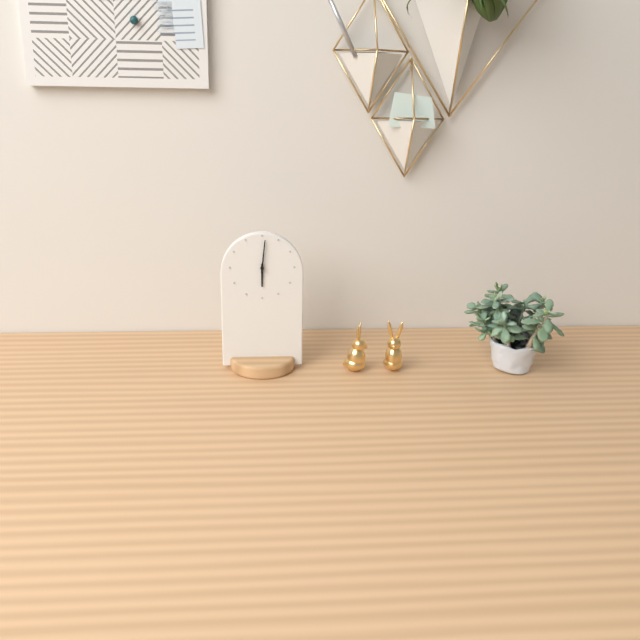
6,01
